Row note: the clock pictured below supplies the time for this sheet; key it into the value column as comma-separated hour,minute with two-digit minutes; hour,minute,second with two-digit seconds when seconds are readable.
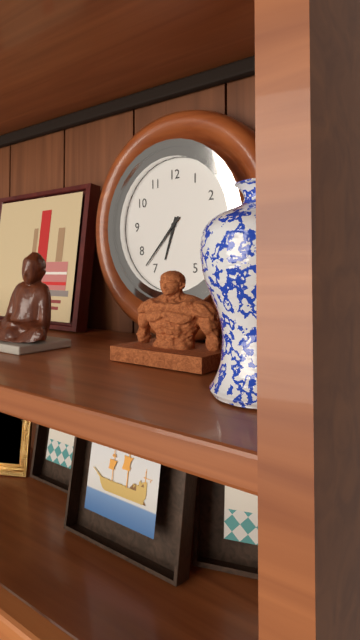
6,37
